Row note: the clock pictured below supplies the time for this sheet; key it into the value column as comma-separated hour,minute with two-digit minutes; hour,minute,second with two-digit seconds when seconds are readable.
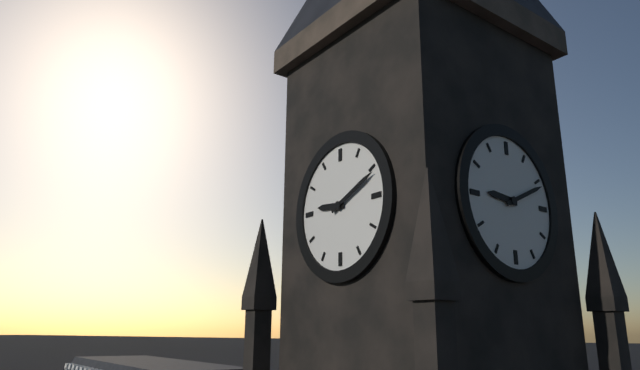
9,11
